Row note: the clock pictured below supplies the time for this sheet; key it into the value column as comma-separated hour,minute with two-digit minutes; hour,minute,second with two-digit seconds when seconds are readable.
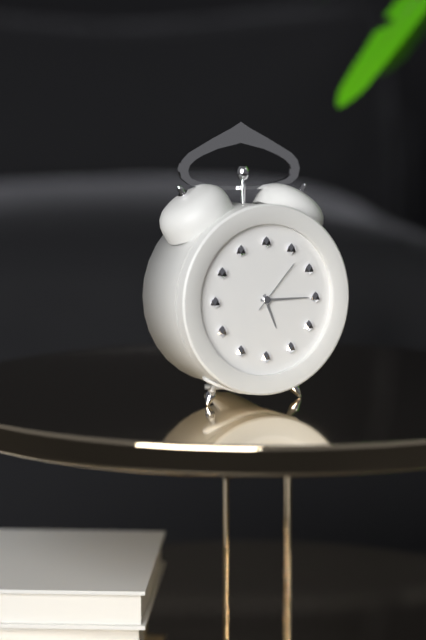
5,15,07
